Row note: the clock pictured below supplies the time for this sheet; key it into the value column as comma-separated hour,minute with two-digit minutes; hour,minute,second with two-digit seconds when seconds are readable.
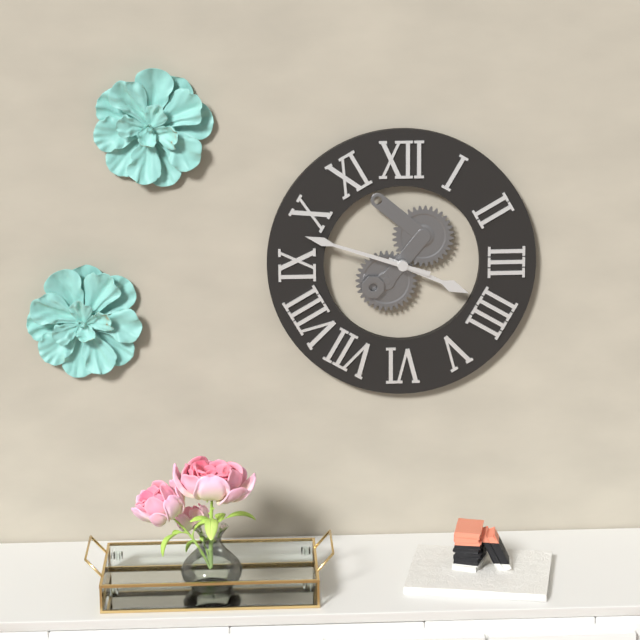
3,48
